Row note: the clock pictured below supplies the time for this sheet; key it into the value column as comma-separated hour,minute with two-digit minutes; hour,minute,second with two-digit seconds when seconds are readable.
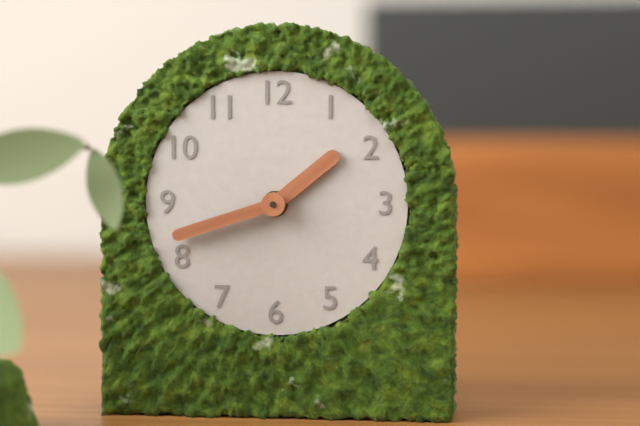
1,42
